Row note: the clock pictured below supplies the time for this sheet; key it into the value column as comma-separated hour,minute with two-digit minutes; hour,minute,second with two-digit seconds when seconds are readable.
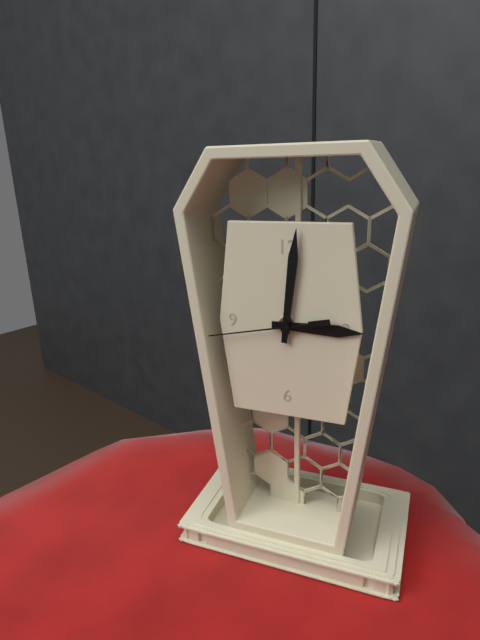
3,01,43
